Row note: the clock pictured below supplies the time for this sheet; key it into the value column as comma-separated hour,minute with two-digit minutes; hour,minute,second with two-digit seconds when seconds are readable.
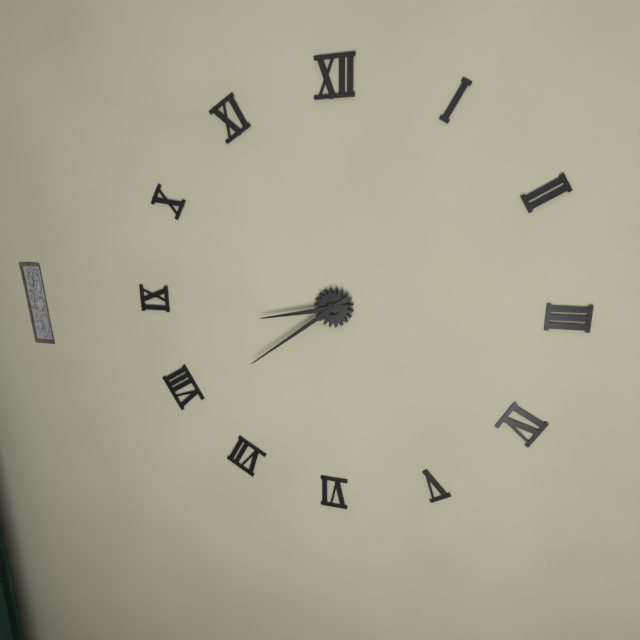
8,39
